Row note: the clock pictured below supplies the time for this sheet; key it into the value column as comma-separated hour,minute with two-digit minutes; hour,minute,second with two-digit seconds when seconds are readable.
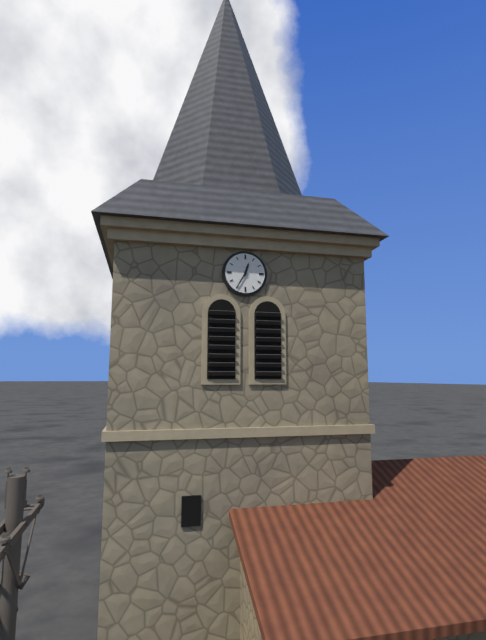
12,35
